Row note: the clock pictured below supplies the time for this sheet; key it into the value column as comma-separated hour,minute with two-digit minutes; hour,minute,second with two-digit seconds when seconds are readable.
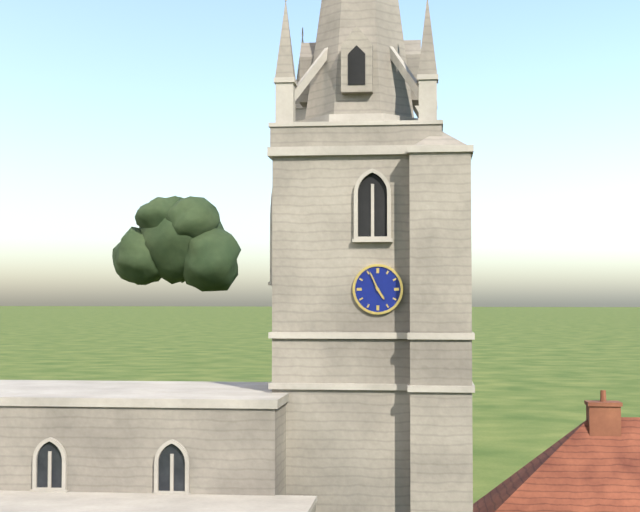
4,56
